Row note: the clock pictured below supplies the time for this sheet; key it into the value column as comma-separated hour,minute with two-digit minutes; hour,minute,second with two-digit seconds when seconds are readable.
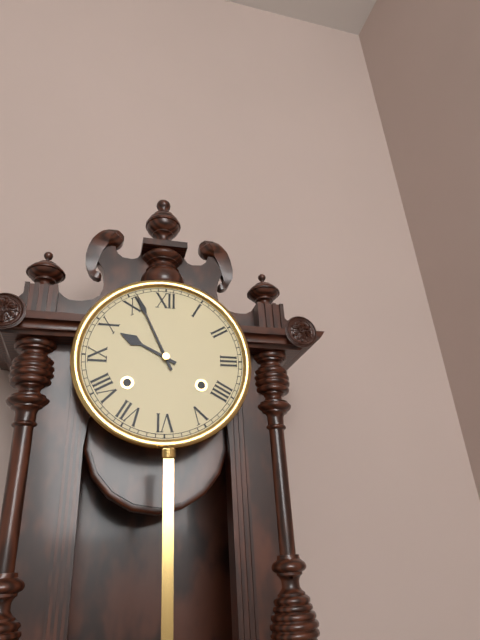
9,56
